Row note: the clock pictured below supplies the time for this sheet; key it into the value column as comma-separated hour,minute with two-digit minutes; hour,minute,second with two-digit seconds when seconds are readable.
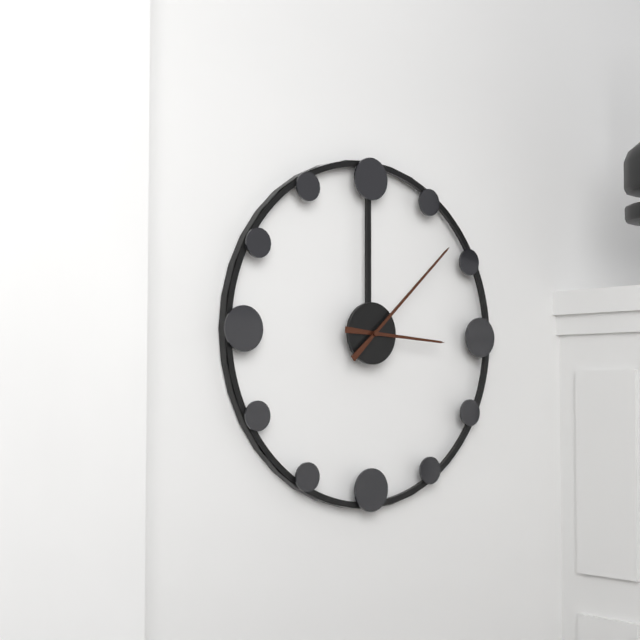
3,08
